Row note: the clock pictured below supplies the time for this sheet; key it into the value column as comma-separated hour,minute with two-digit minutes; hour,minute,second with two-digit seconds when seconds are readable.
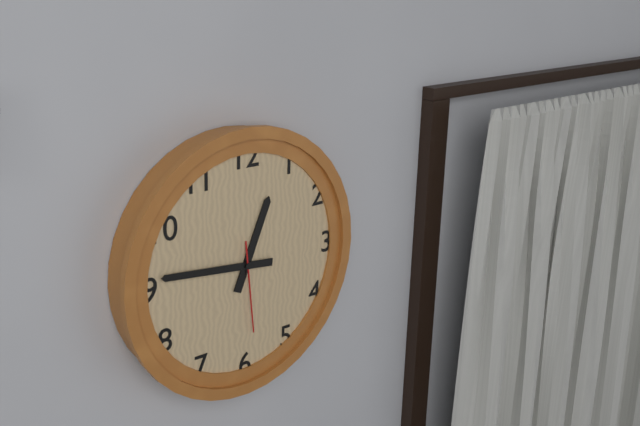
12,46,29
